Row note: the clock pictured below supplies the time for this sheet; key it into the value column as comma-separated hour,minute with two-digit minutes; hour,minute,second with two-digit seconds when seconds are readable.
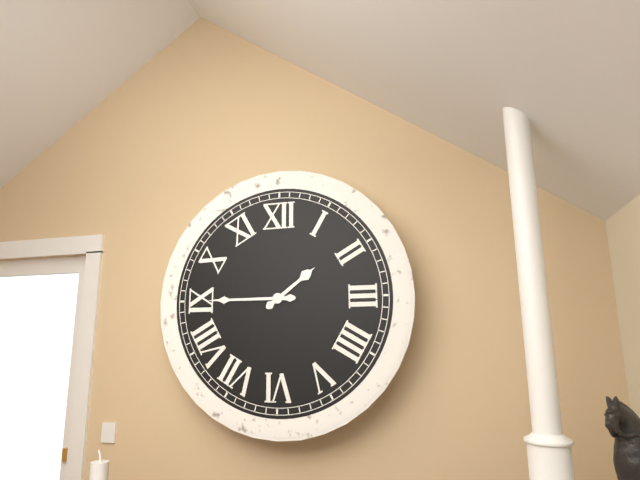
1,45
